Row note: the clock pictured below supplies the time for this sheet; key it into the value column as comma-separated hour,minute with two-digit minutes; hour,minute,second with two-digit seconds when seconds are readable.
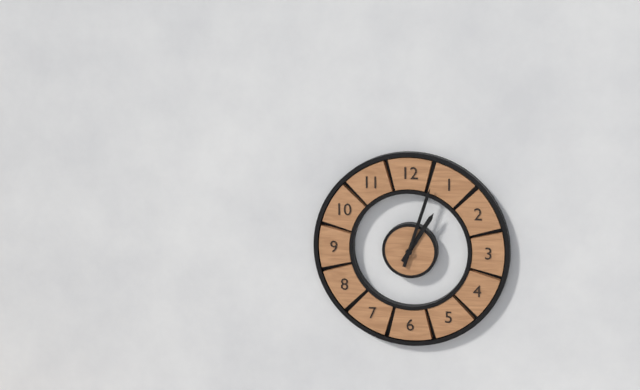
1,03
